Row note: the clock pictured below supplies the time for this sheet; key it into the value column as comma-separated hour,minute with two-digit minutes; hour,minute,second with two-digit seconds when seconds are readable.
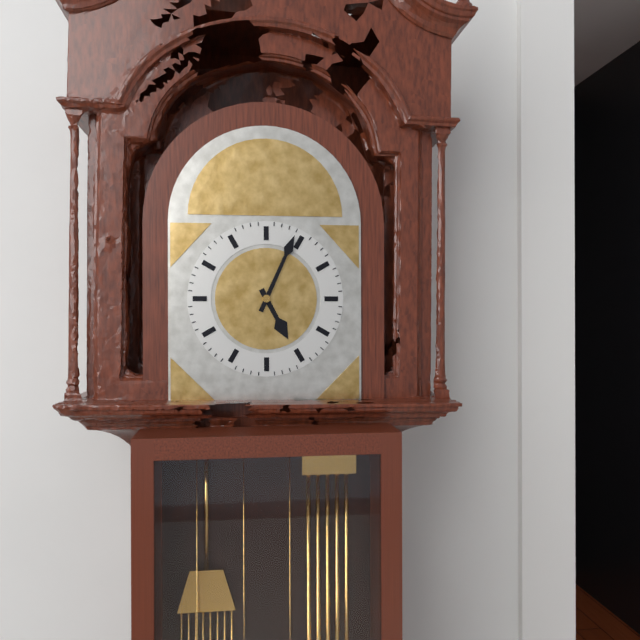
5,04
